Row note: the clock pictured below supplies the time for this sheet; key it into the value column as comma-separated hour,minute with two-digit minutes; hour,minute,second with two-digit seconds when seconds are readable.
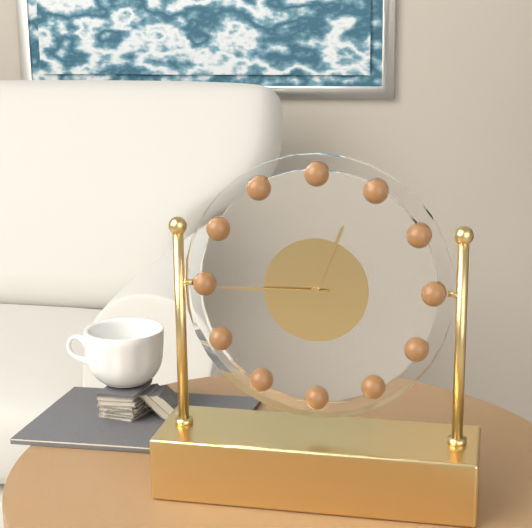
12,45
